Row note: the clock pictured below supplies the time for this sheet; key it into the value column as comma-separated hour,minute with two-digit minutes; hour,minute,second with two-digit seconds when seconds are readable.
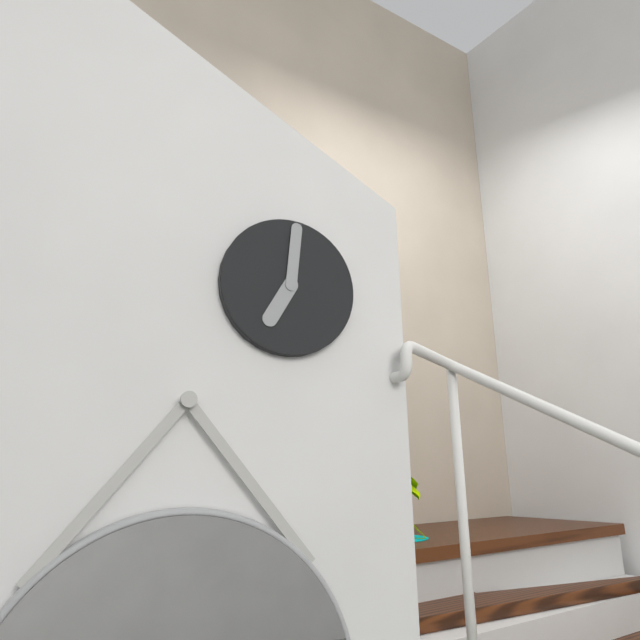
7,01
